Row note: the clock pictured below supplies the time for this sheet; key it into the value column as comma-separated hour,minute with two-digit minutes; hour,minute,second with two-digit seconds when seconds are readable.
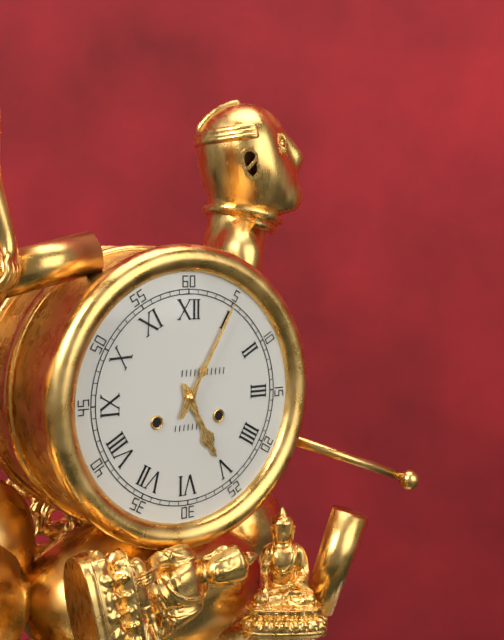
5,05
